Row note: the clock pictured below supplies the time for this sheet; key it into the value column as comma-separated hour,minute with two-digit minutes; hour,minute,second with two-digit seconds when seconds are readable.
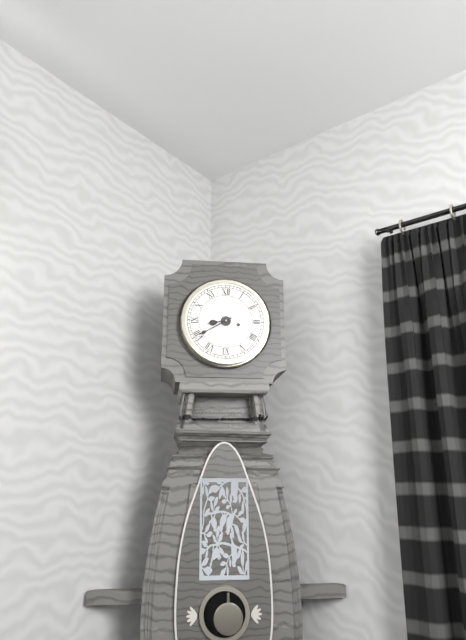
8,40
